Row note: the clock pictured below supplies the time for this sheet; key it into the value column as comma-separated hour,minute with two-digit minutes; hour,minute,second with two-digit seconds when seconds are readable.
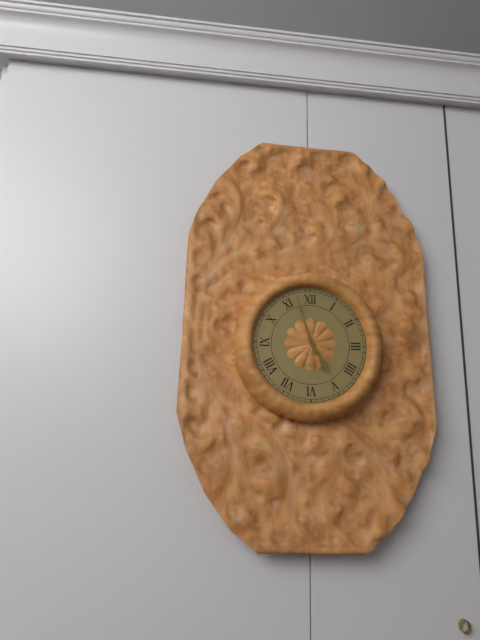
4,57
